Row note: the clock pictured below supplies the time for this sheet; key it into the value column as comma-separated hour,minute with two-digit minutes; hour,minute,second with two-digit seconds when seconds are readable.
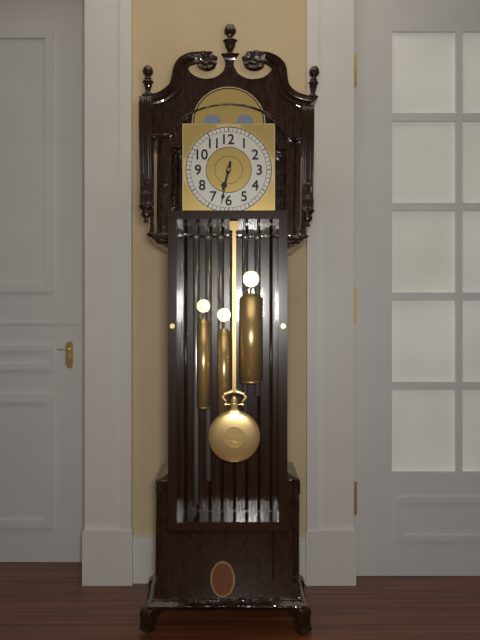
6,32
